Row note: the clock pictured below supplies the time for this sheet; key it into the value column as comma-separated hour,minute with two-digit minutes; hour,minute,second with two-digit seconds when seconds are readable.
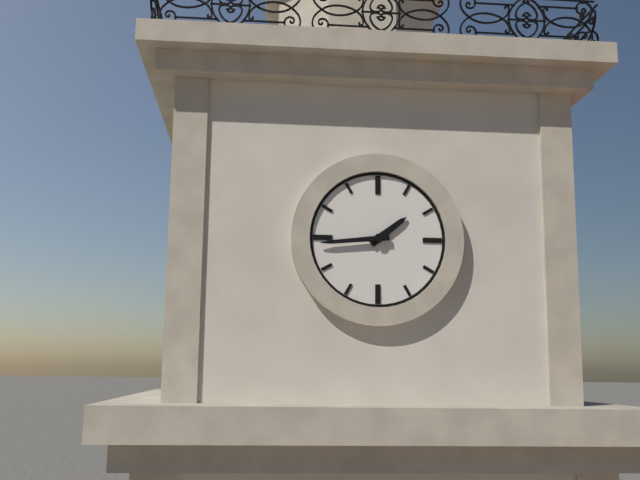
1,44
